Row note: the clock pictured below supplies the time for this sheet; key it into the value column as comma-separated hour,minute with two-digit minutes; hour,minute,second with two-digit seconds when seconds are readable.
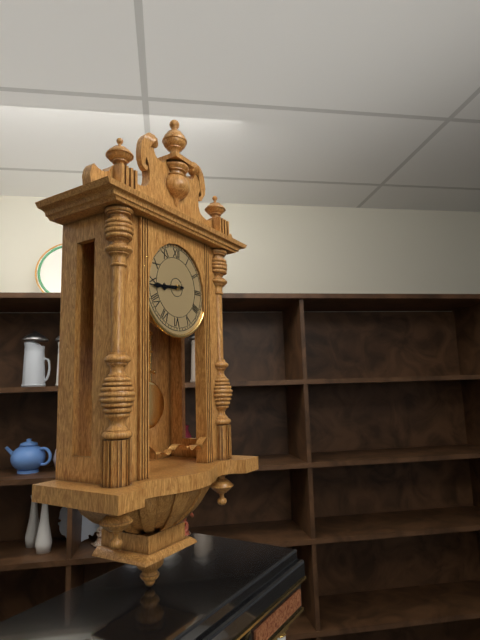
8,44
